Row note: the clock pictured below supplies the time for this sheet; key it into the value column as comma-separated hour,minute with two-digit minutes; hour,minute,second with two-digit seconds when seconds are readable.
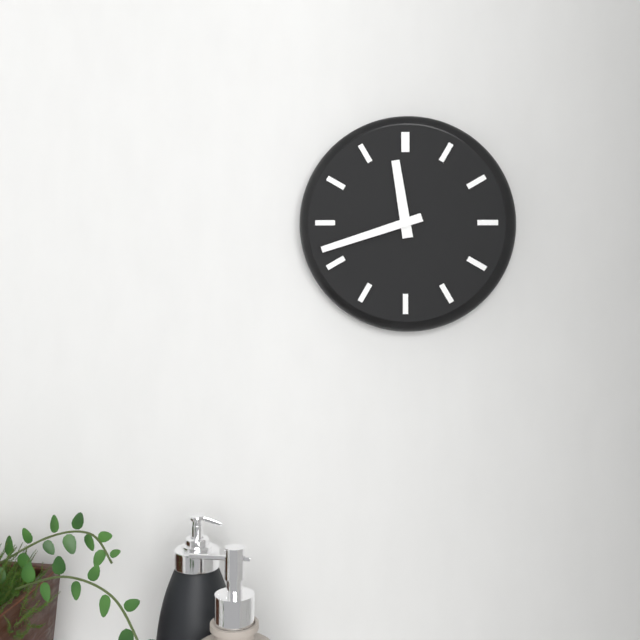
11,42
